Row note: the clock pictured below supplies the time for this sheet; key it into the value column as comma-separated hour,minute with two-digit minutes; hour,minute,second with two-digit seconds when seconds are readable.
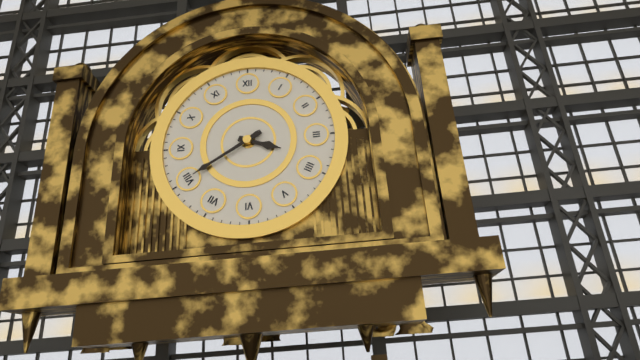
3,40
